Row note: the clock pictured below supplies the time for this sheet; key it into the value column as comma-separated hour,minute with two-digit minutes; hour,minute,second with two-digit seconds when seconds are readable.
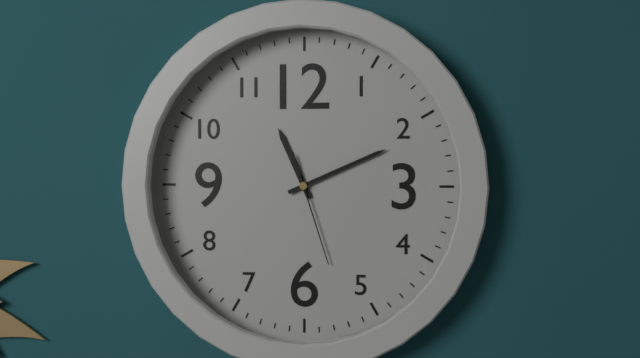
11,11,27
